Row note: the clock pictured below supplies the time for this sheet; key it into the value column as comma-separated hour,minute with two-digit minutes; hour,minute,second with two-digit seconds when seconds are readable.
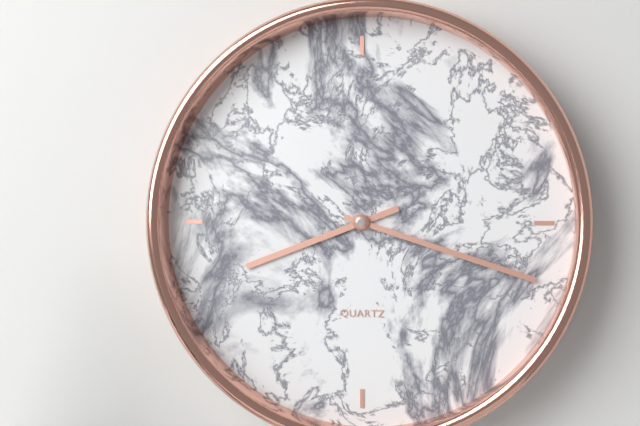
8,18
